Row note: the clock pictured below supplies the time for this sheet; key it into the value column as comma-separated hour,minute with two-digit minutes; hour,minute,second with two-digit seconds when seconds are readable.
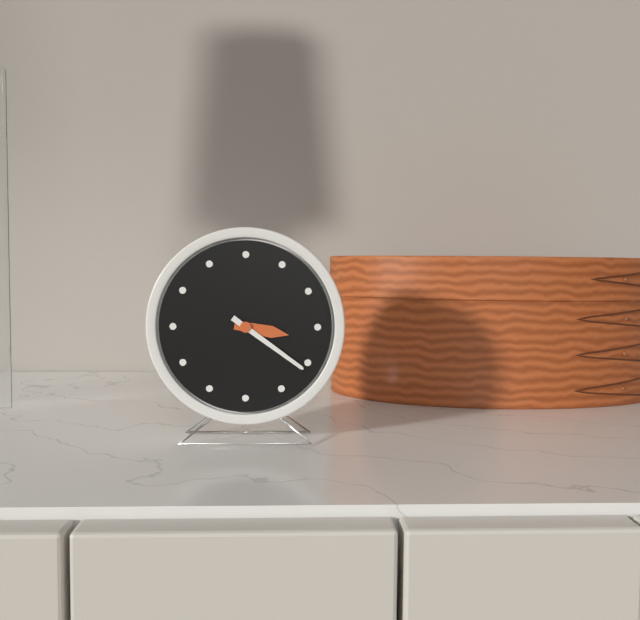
3,21
